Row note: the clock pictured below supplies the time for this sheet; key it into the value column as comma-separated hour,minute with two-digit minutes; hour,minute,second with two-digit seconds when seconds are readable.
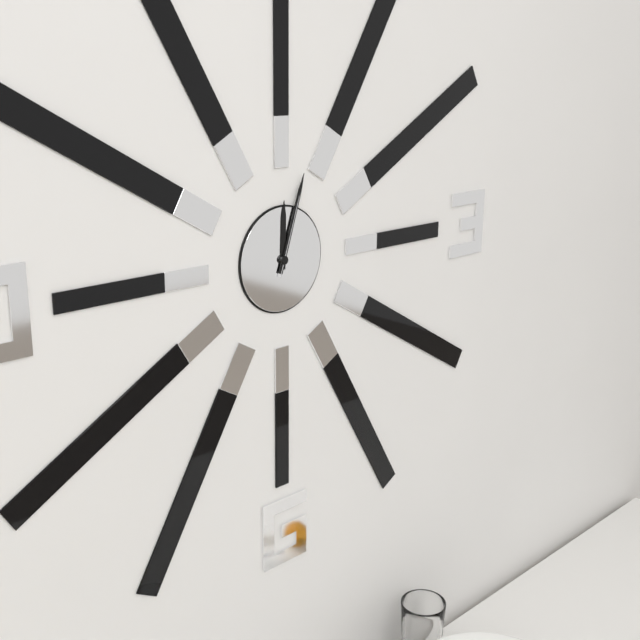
12,03,03
